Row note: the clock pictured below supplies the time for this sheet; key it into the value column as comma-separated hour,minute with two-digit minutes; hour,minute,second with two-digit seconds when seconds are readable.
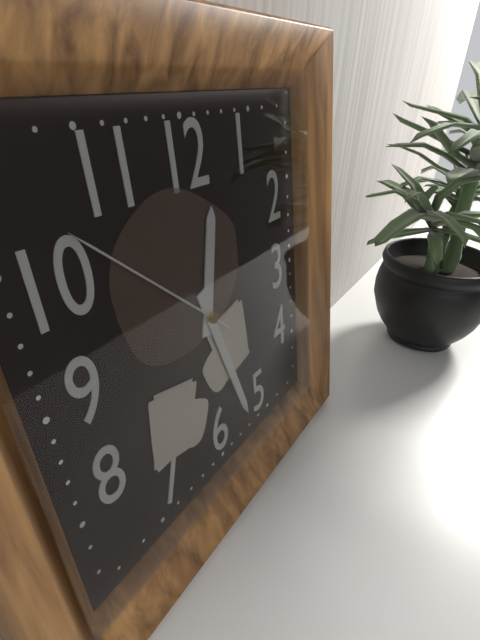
12,27,52
